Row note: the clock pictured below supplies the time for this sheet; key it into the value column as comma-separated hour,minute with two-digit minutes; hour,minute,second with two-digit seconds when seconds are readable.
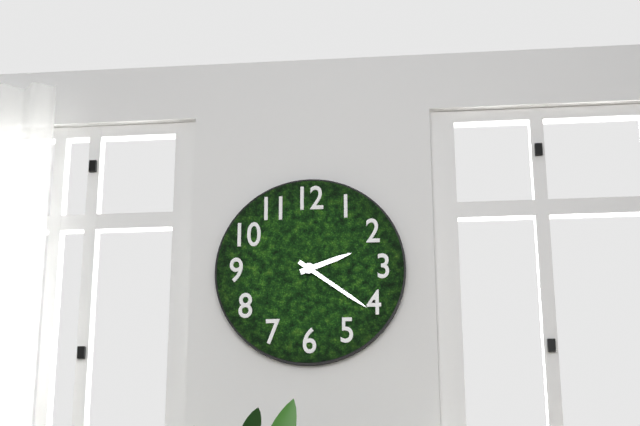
2,21
